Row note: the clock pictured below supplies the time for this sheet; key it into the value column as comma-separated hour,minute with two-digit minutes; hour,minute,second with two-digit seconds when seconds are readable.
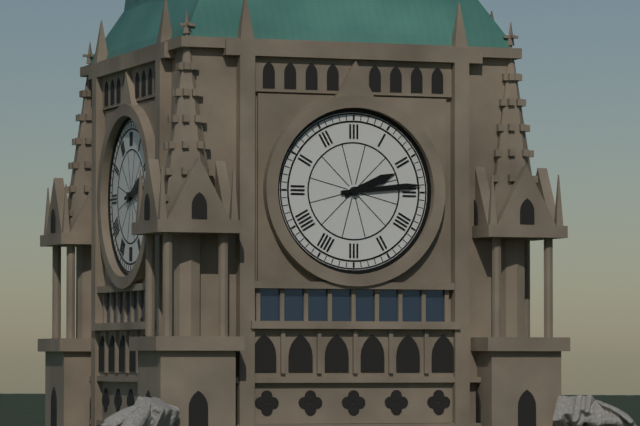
2,14
